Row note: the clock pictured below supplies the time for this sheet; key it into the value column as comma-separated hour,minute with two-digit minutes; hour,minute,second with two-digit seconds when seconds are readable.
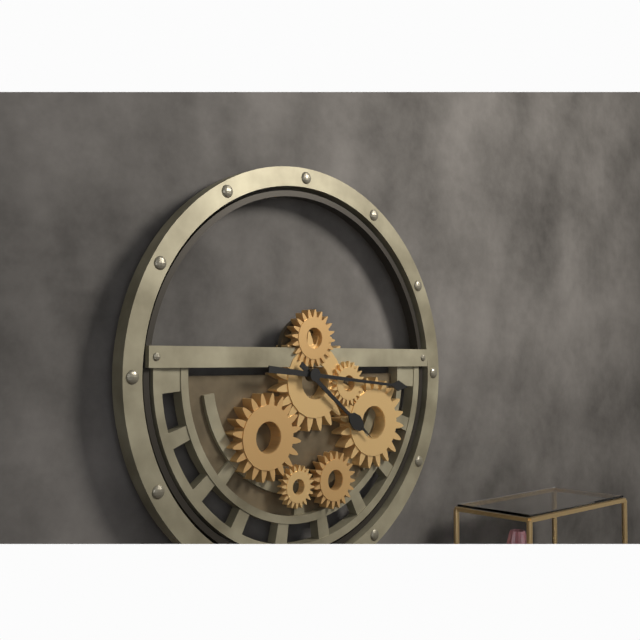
4,16
